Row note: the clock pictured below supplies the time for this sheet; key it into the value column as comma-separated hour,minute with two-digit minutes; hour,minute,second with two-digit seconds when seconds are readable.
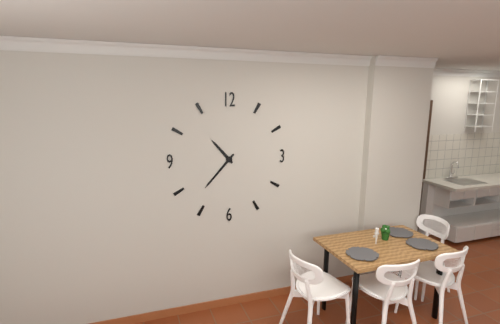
10,37
